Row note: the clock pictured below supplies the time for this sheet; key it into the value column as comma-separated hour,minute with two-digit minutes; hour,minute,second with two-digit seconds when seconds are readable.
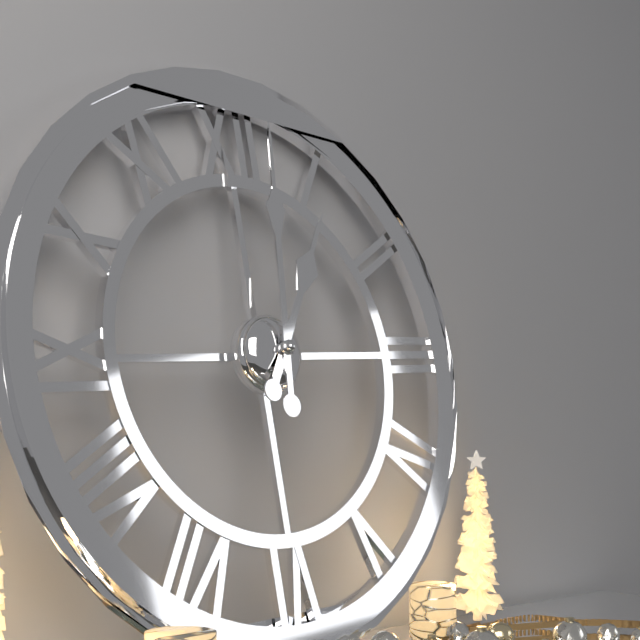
1,01
